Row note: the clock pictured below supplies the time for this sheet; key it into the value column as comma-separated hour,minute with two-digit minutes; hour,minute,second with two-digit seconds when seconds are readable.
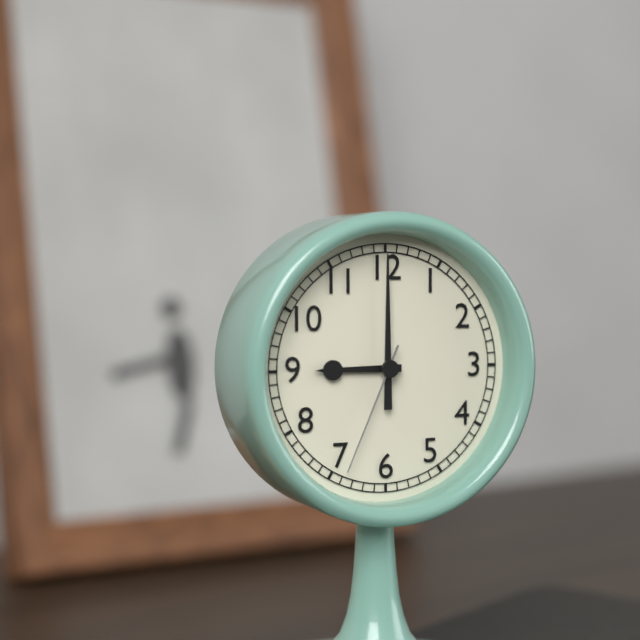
9,00,34
